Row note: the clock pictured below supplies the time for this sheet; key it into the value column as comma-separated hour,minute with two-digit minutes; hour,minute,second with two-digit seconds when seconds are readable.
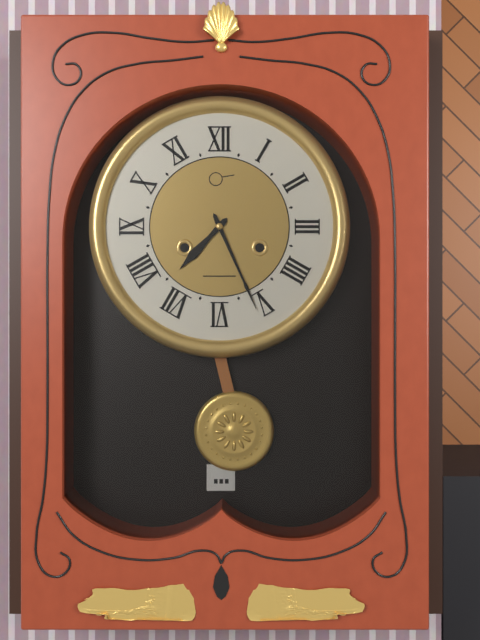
7,26
